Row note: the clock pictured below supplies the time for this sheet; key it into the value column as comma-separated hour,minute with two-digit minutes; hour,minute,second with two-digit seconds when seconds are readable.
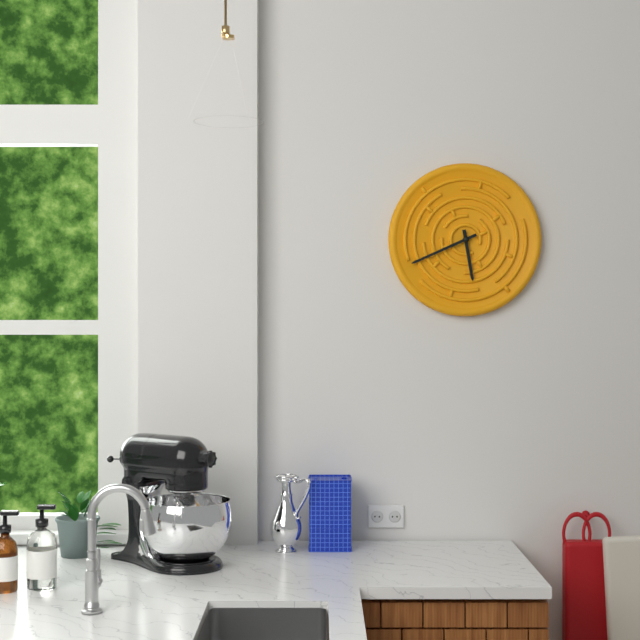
5,41
